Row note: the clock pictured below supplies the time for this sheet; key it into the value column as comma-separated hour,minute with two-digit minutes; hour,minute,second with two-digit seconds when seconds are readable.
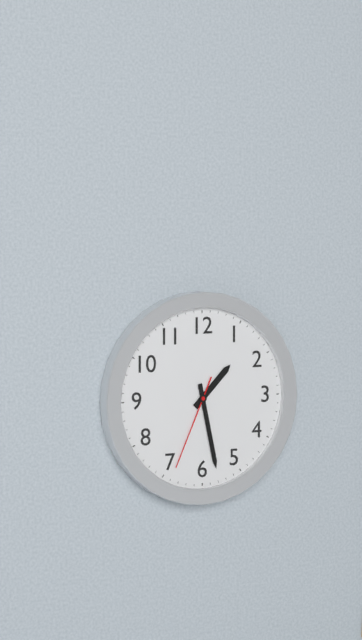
1,28,34
